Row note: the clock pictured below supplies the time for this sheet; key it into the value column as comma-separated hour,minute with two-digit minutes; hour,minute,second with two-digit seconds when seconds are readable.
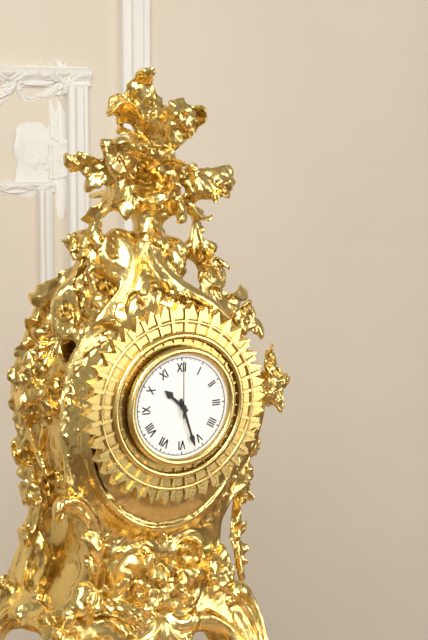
10,27,00
